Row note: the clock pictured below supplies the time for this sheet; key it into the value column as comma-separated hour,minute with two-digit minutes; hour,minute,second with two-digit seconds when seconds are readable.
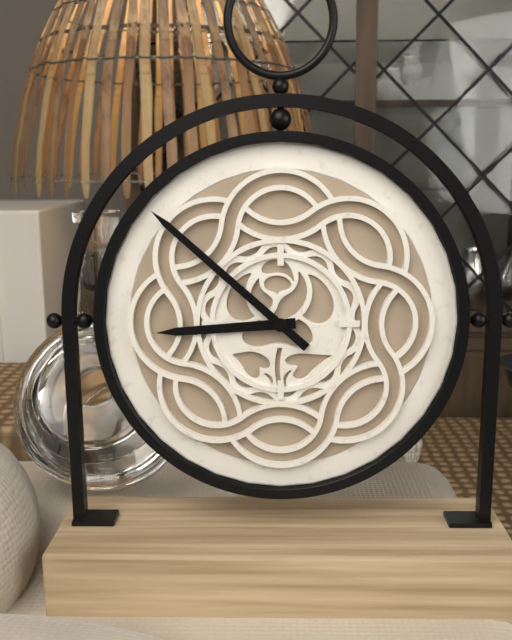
8,52
